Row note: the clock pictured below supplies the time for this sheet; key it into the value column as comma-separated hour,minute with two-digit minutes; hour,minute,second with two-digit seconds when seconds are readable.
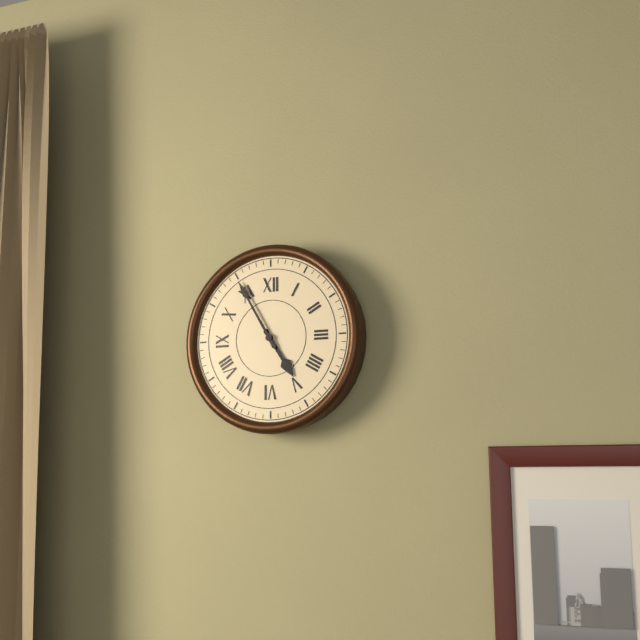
4,55
